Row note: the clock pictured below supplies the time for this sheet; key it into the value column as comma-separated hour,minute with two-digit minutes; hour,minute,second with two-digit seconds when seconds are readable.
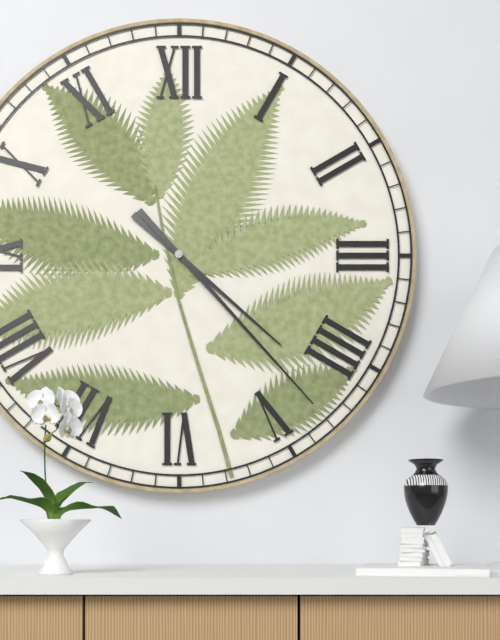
4,23
